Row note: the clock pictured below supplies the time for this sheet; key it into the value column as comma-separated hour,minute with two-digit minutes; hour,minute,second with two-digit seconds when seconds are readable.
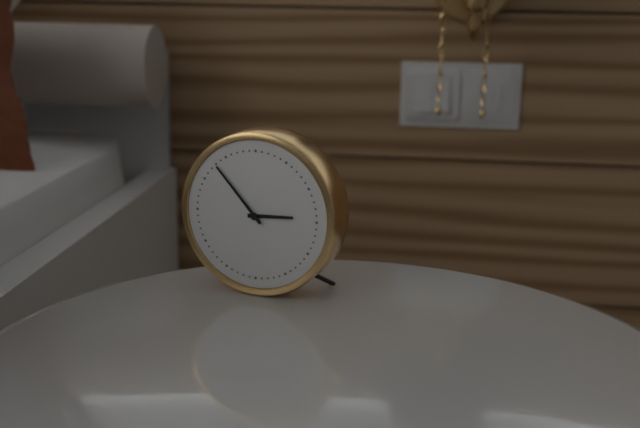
2,53
